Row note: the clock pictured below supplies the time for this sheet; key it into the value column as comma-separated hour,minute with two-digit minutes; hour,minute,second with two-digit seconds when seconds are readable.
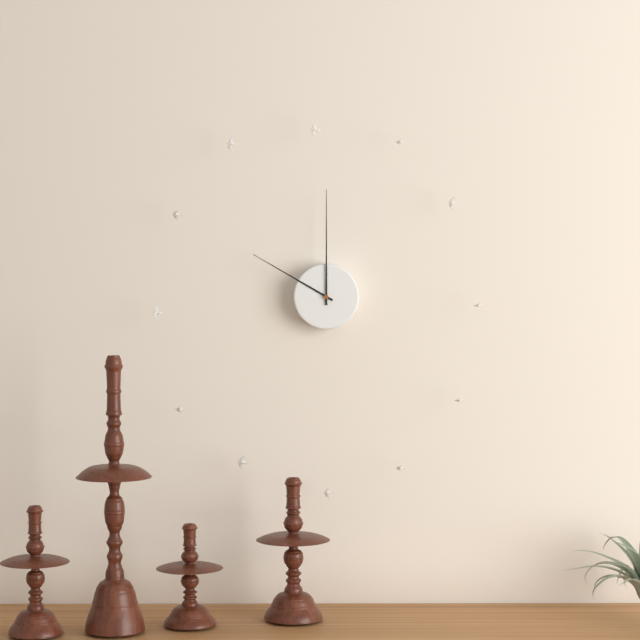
10,00
